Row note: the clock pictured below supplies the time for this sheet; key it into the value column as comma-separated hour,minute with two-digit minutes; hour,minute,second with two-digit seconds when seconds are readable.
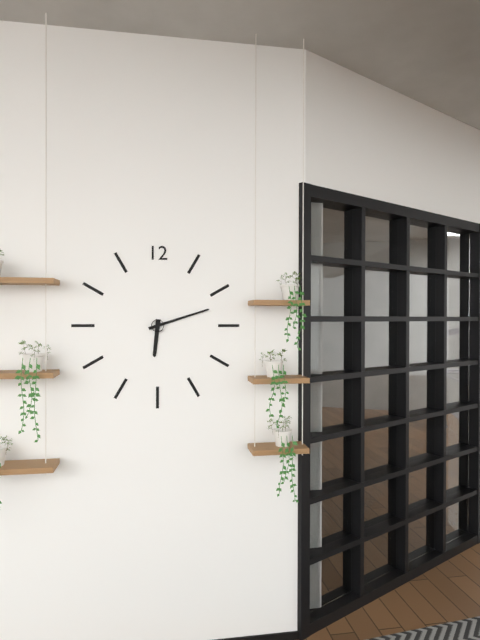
6,12
